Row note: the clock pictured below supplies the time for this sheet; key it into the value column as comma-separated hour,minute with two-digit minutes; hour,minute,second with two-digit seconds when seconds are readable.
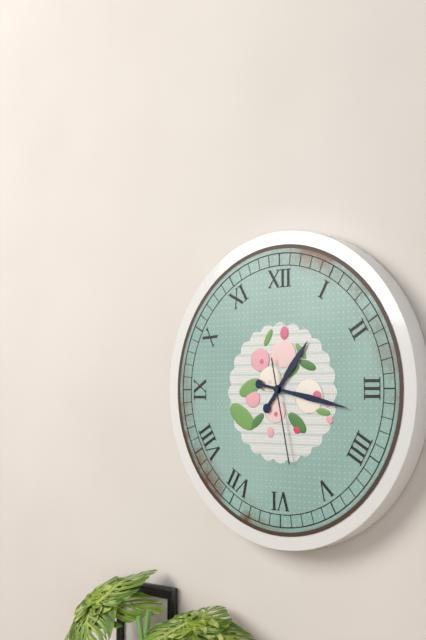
1,17,28
